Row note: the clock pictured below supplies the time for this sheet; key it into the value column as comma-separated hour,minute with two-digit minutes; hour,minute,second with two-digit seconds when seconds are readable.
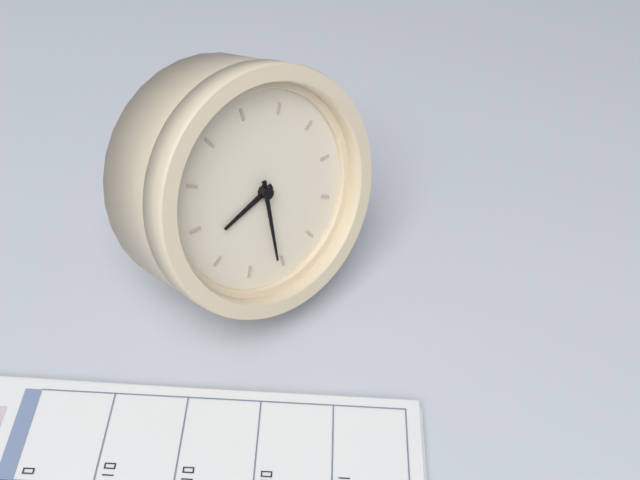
8,31
